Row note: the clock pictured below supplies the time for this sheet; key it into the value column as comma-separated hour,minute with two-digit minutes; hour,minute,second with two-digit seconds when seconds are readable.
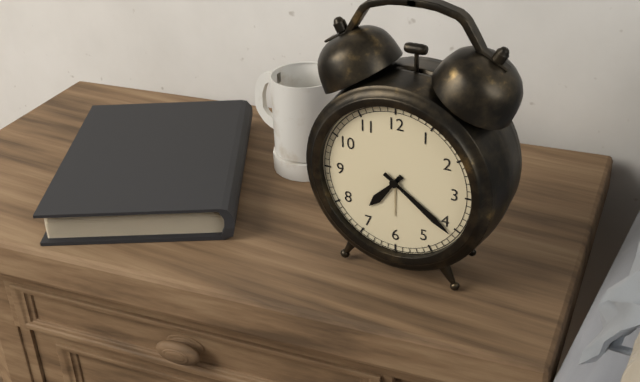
7,21
